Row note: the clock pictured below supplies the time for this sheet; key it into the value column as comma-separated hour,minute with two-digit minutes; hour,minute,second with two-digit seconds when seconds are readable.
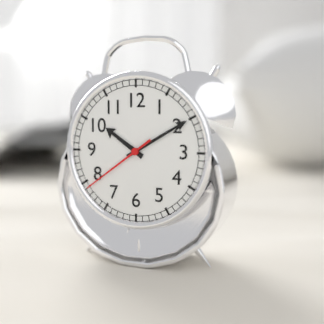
10,10,39
